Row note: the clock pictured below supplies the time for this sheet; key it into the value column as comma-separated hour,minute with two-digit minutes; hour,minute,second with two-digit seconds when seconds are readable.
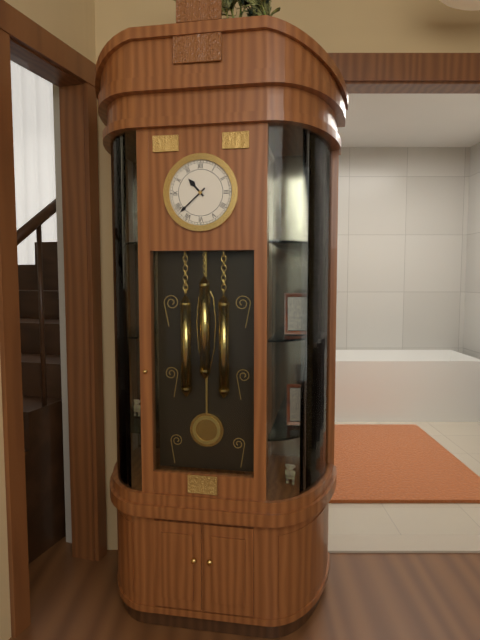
10,38
